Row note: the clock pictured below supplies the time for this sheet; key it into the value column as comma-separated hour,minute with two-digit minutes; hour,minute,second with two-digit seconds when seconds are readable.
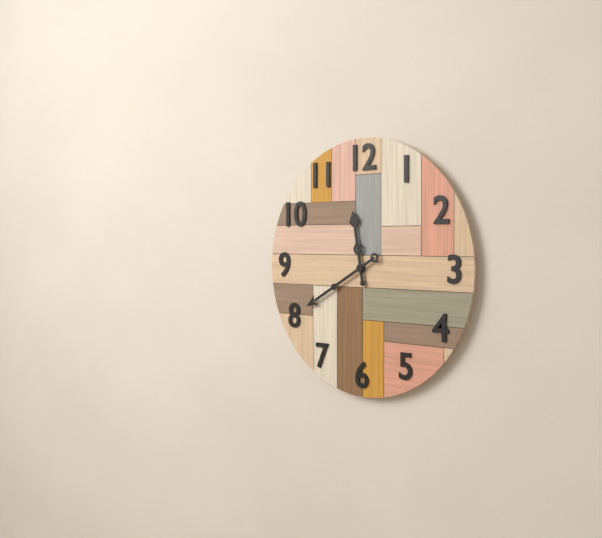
11,40
